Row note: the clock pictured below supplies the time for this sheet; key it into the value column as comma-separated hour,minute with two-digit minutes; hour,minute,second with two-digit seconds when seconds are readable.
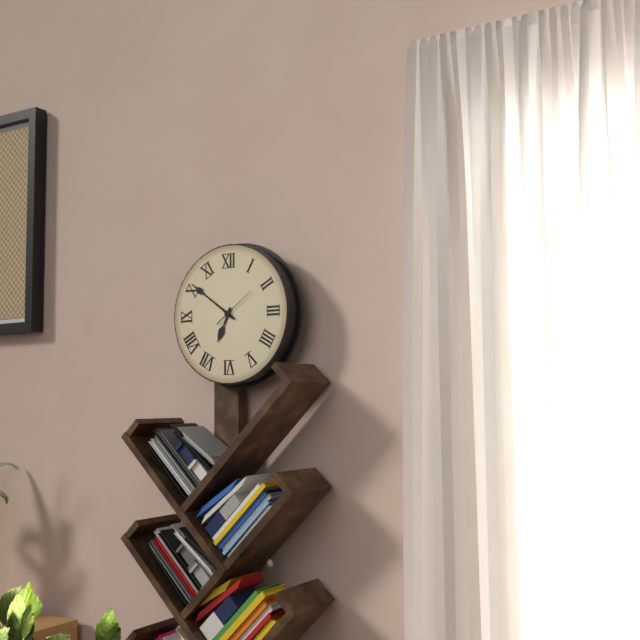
6,51
